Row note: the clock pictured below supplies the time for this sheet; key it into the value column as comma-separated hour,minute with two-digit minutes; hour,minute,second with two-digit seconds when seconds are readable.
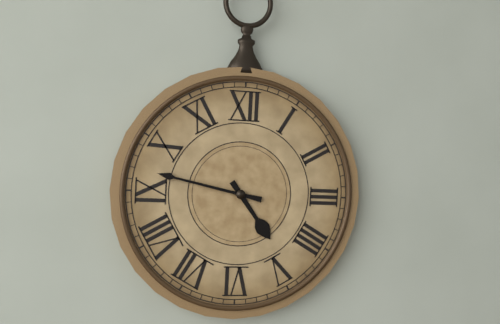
4,47
